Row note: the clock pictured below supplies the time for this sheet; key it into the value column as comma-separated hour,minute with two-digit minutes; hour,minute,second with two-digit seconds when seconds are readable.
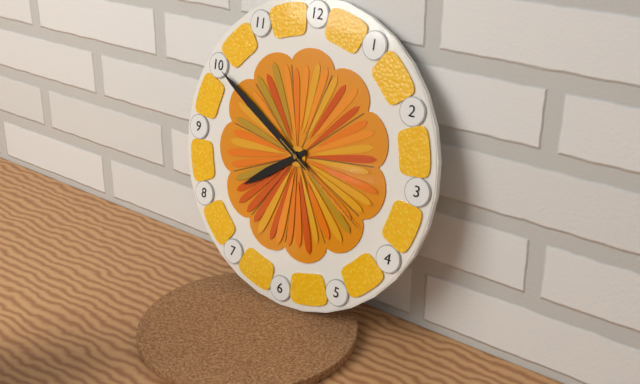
7,50,20
